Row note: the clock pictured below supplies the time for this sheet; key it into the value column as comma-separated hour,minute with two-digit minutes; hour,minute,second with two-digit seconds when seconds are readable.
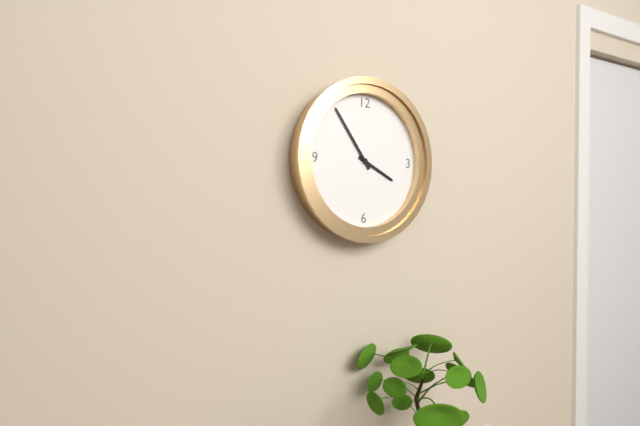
3,54
